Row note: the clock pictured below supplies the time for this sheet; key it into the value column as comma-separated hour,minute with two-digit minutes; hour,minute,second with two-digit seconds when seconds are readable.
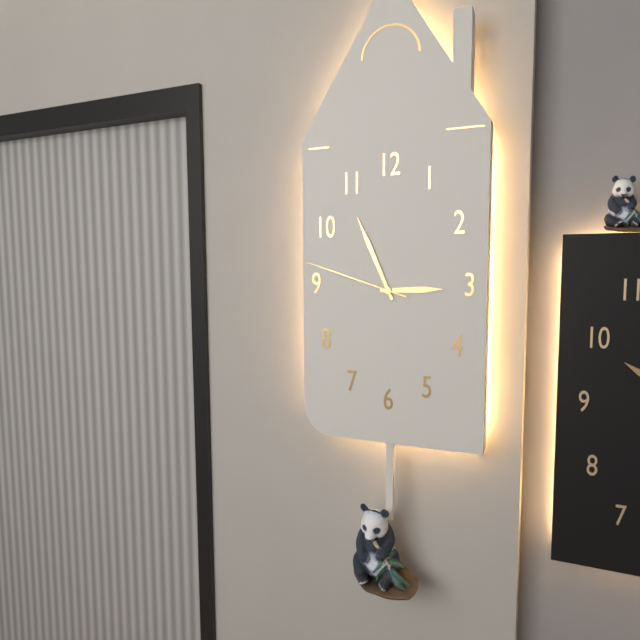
2,56,48
